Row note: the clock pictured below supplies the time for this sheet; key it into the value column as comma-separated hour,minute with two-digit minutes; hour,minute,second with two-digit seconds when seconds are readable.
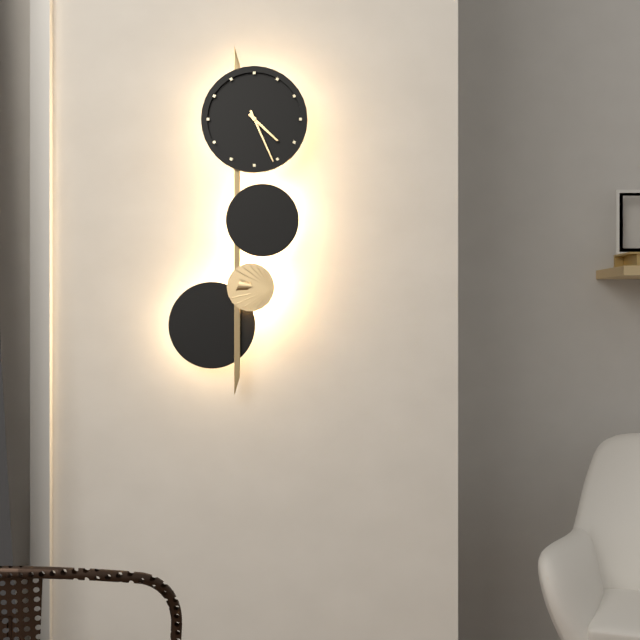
4,26
